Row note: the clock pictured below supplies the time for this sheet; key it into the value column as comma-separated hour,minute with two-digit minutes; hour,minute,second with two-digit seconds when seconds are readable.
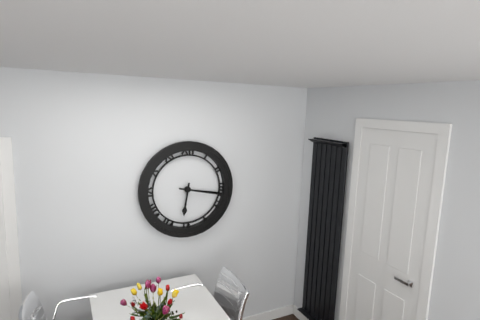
6,17
